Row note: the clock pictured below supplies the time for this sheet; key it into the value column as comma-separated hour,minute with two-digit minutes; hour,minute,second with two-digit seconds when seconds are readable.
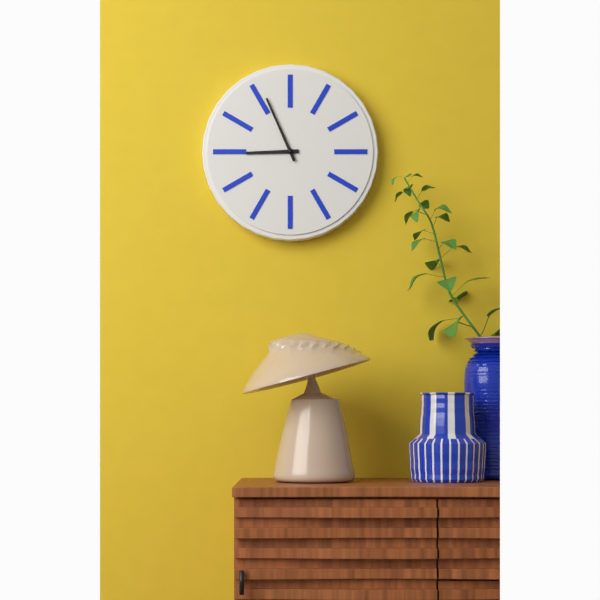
8,56
